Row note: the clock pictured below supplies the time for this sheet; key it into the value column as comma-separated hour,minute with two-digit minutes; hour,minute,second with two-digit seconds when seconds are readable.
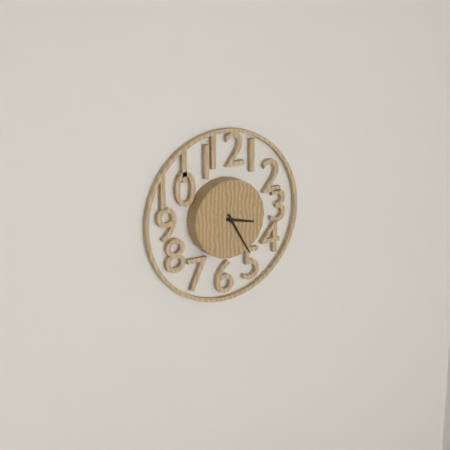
3,25
